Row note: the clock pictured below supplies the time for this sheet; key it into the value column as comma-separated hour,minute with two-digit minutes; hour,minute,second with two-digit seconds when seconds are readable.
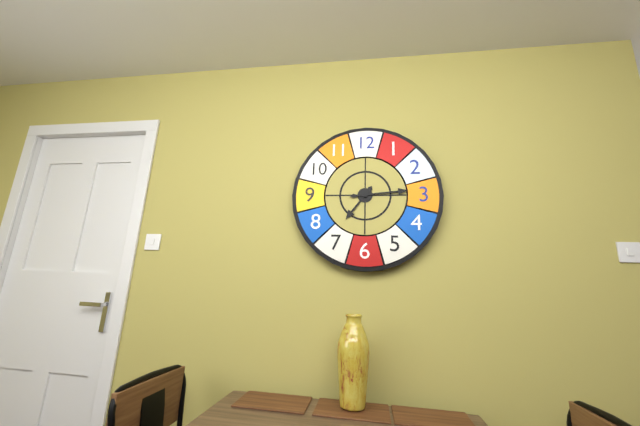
7,14
